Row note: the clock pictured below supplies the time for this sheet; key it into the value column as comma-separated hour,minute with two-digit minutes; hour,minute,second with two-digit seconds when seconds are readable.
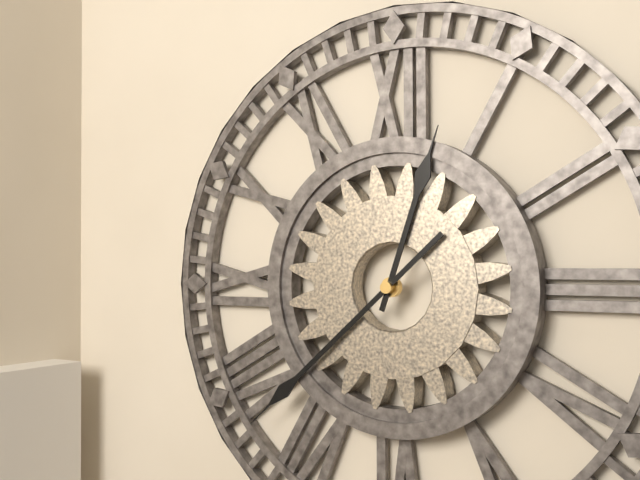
12,38
